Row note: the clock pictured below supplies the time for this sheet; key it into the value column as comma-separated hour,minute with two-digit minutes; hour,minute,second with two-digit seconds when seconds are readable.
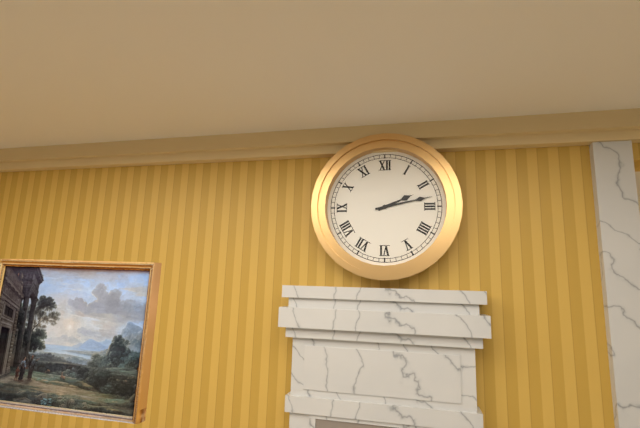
2,13
